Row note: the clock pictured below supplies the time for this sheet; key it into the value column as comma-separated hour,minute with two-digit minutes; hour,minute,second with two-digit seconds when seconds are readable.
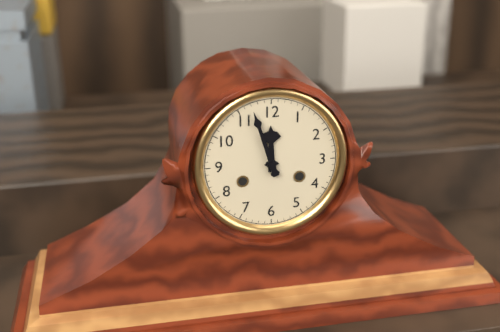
11,57
